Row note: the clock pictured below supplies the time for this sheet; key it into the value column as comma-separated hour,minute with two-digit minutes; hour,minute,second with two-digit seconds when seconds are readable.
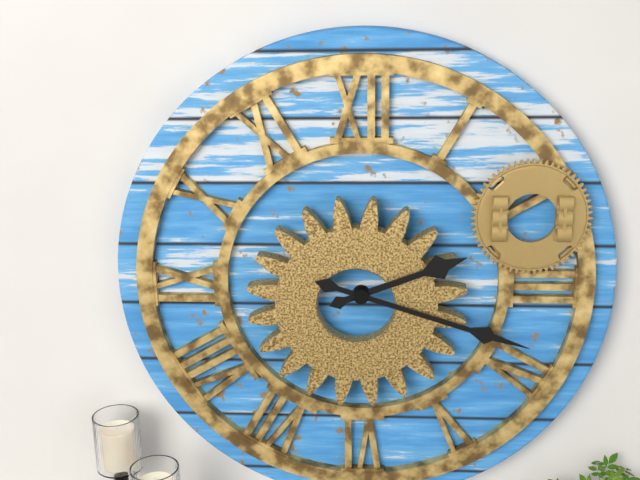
2,18
